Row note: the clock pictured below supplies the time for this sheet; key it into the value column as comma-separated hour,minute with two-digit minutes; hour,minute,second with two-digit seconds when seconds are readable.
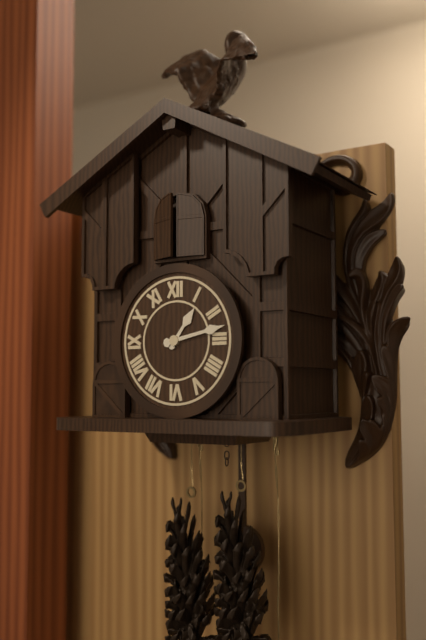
1,13
